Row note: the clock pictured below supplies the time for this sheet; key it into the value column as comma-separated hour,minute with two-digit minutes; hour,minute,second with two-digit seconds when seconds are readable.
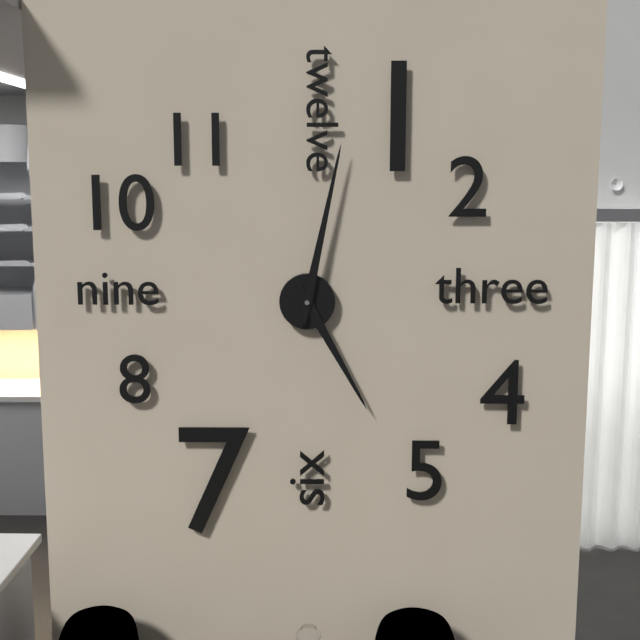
5,02
